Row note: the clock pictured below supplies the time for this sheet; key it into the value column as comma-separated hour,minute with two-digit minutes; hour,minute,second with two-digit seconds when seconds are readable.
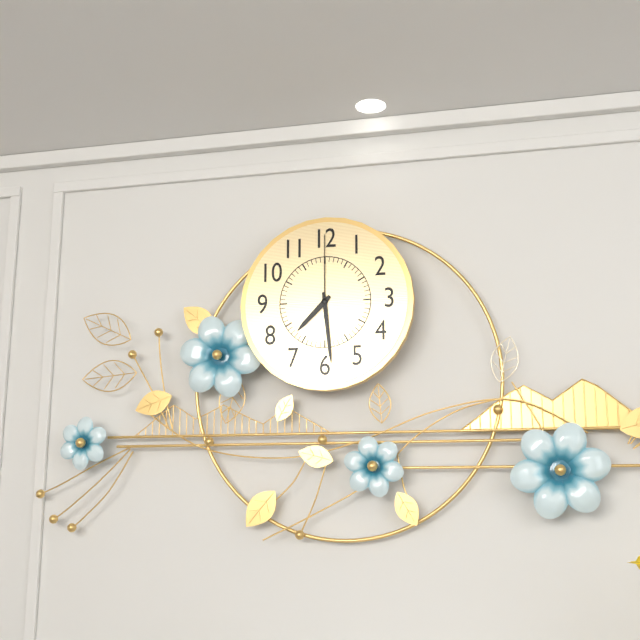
7,29,00
